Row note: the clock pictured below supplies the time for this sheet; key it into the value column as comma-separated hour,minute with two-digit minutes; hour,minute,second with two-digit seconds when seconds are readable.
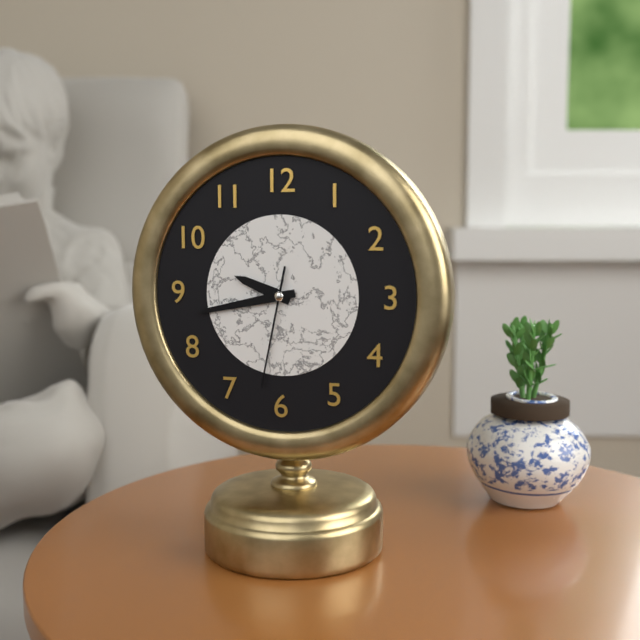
9,43,32
